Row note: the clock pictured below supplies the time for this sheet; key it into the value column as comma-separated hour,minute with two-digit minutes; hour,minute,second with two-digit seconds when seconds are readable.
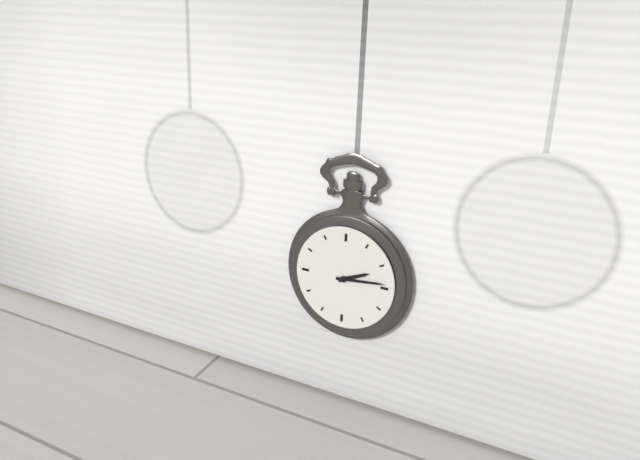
2,14
